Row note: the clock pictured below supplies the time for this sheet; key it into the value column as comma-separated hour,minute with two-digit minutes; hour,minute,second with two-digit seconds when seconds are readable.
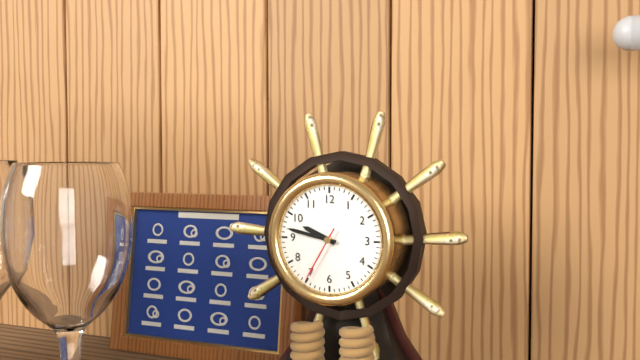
9,47,35
